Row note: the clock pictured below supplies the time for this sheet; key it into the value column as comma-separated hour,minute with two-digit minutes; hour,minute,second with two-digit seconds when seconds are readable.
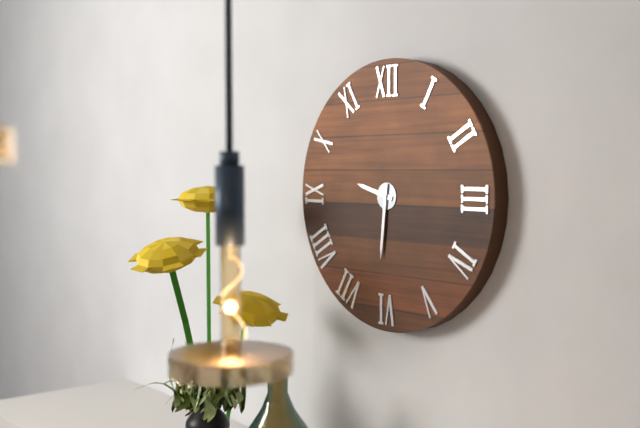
9,31
